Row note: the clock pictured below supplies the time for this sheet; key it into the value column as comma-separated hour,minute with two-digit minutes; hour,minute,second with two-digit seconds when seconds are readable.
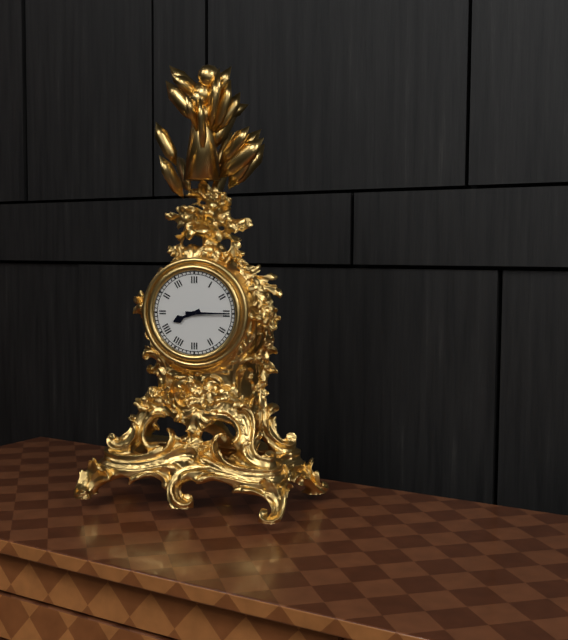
8,15
